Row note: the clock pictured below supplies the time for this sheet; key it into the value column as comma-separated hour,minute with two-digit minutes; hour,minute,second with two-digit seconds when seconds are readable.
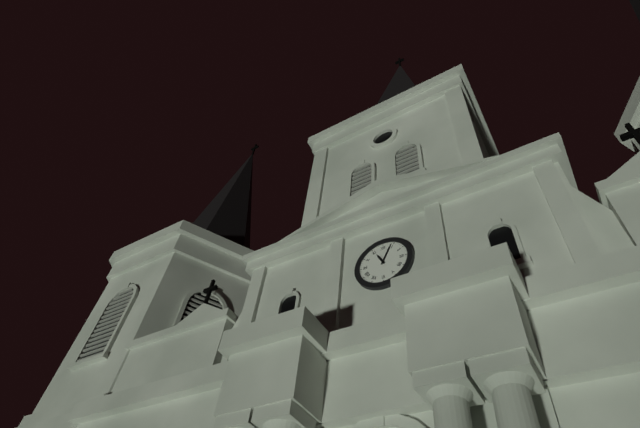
11,04
